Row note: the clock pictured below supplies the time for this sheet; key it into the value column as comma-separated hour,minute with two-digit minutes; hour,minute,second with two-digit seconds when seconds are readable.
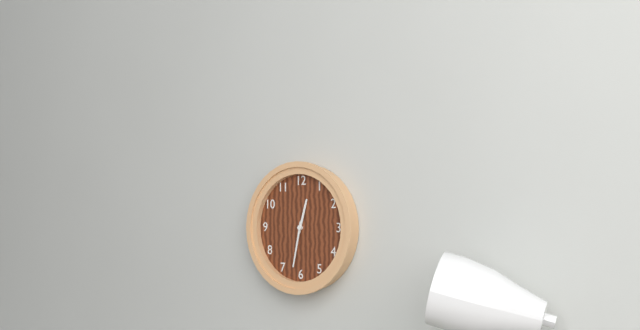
12,32
